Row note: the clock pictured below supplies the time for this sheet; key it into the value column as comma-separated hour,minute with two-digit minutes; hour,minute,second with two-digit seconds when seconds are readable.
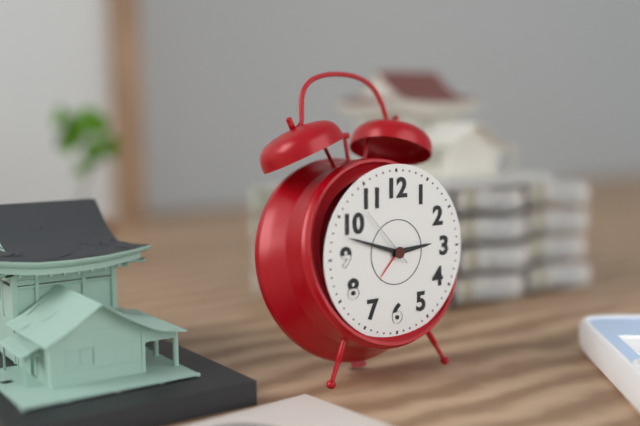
2,48,53
